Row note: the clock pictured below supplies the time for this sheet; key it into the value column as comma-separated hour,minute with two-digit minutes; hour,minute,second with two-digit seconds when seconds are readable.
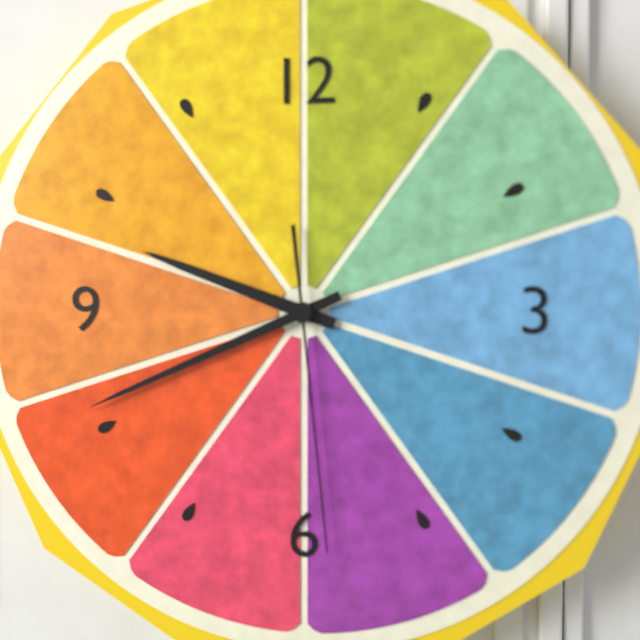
9,41,29
